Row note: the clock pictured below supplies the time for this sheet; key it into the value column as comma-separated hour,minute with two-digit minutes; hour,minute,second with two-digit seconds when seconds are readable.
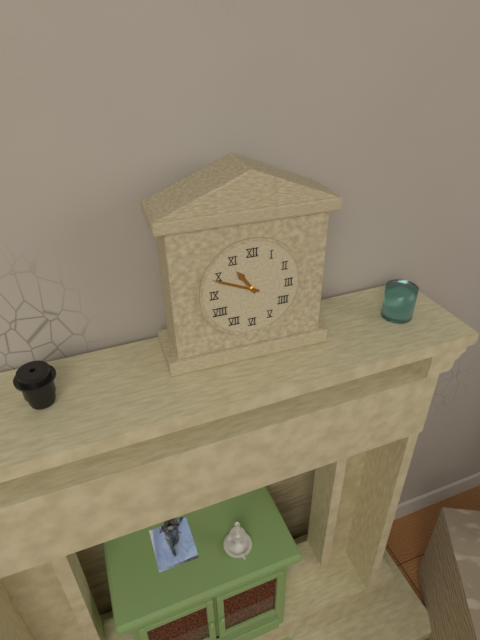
10,49
